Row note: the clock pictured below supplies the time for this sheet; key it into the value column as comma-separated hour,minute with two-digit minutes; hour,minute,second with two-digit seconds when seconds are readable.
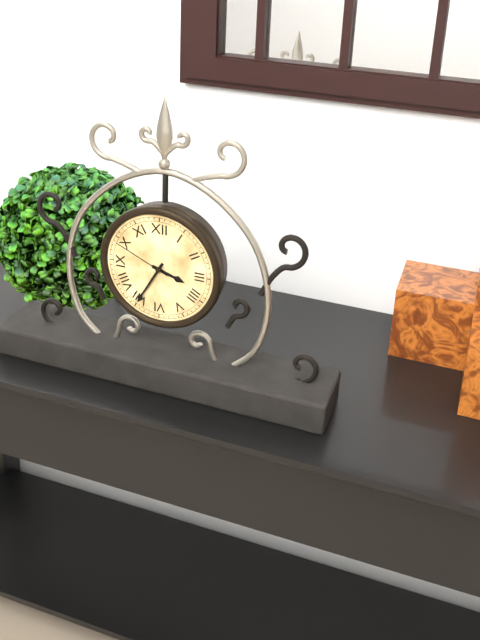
3,35,49
